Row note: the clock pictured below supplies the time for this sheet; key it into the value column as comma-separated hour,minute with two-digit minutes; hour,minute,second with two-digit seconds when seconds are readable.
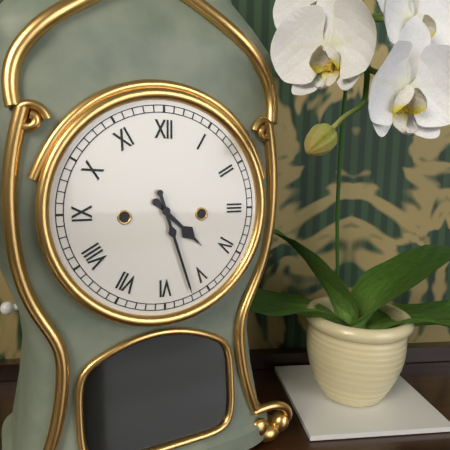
4,27
